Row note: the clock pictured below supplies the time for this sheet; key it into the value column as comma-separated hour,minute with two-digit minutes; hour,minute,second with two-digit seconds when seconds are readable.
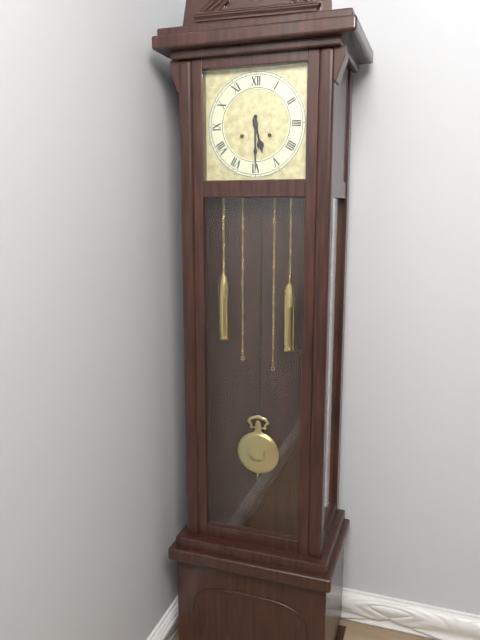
5,30
